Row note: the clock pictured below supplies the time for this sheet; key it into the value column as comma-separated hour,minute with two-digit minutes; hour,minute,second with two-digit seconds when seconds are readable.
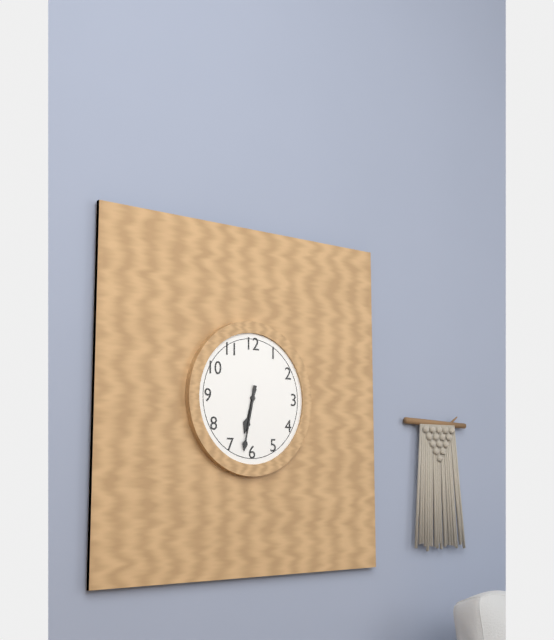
6,32
